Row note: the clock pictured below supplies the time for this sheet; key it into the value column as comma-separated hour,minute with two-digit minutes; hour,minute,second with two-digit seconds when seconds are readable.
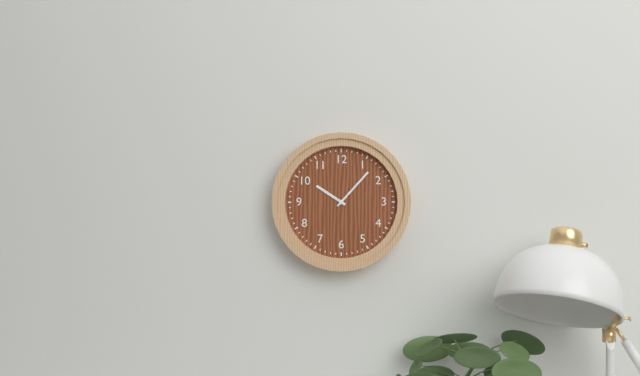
10,07
